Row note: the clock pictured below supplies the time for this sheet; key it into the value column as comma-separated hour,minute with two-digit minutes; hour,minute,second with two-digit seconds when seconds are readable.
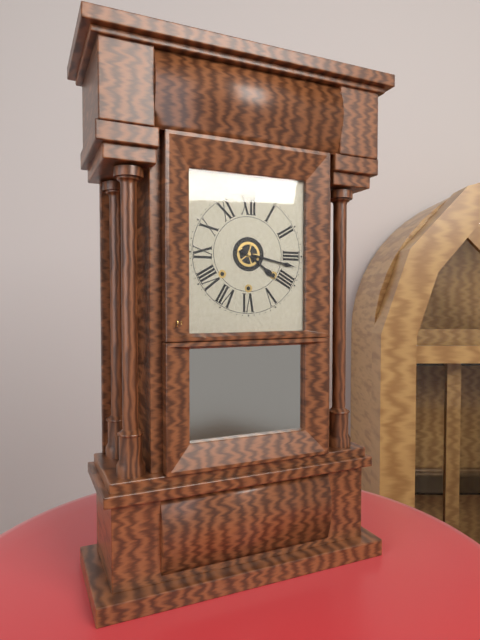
4,17
